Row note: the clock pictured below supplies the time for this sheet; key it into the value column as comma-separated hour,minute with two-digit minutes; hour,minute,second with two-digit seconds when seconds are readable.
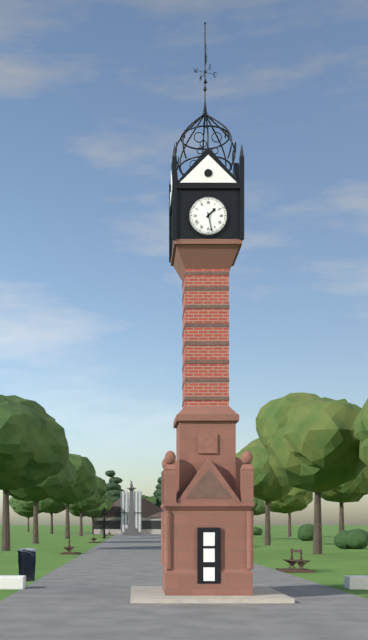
1,28
